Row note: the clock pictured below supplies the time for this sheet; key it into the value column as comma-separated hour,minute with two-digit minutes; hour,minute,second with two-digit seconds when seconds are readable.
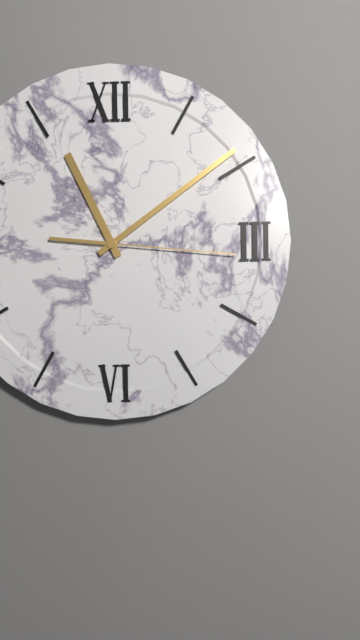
11,09,16
